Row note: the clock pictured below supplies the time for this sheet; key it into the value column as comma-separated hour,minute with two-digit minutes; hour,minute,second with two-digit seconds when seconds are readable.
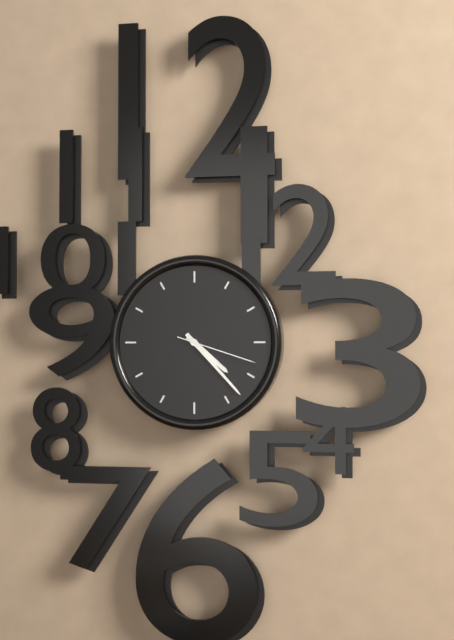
4,23,18
